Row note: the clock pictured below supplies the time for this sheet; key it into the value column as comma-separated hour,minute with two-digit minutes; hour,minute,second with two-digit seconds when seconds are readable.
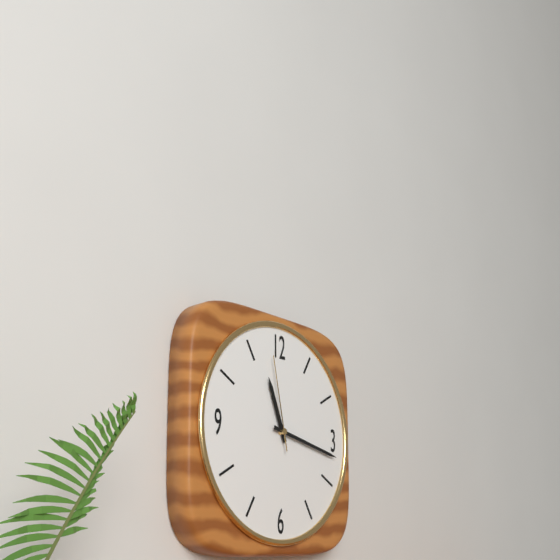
11,17,58
